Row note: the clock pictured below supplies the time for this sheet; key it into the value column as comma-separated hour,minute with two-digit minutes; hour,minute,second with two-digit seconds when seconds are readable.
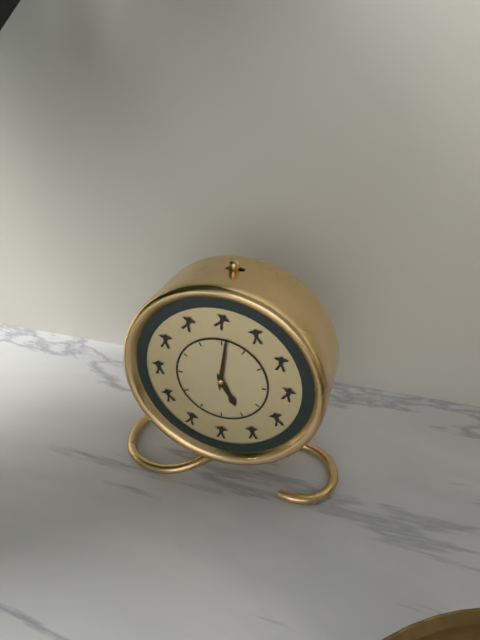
5,01
